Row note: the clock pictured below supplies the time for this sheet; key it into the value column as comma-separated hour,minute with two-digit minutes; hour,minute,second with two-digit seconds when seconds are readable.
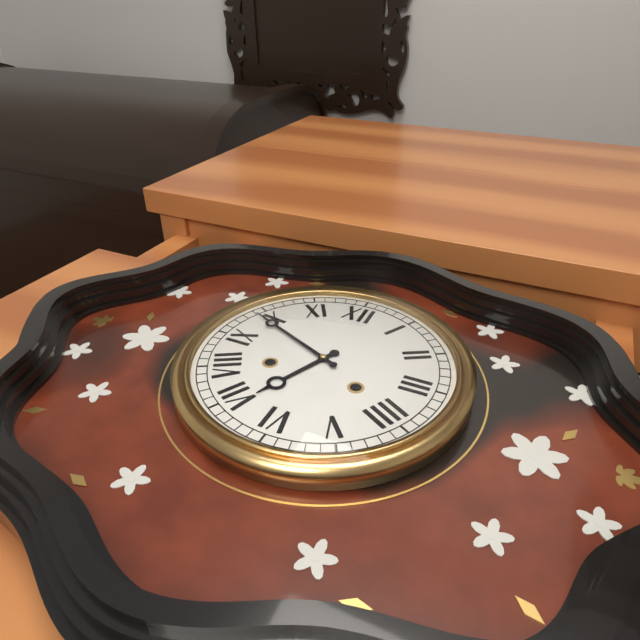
6,49
